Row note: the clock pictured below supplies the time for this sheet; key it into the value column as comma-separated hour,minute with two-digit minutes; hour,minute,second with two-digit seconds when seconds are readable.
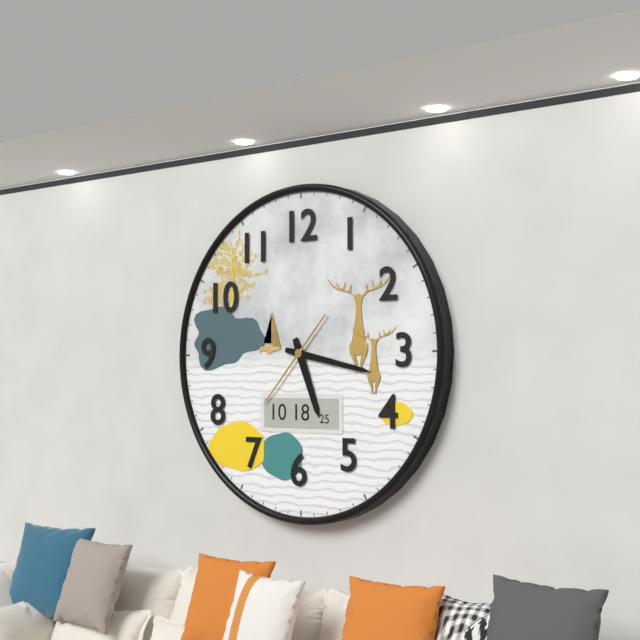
5,17,37
